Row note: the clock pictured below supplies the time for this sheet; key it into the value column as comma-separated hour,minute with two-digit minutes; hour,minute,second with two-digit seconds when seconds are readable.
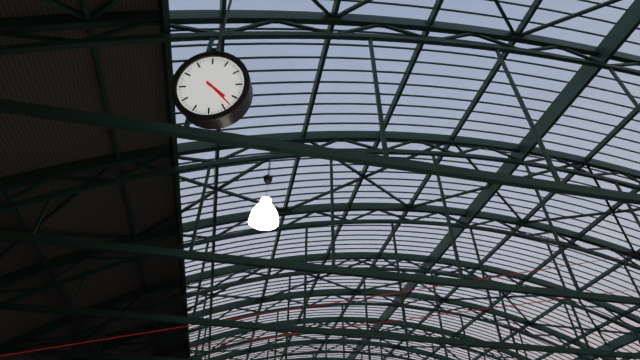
4,23
